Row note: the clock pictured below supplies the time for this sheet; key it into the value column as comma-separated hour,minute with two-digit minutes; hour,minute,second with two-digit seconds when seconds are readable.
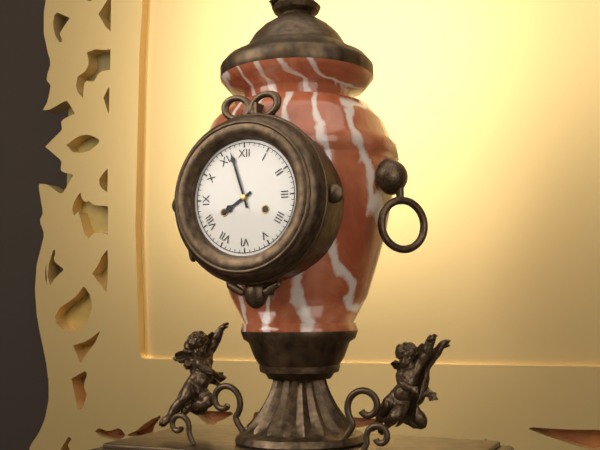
7,57
